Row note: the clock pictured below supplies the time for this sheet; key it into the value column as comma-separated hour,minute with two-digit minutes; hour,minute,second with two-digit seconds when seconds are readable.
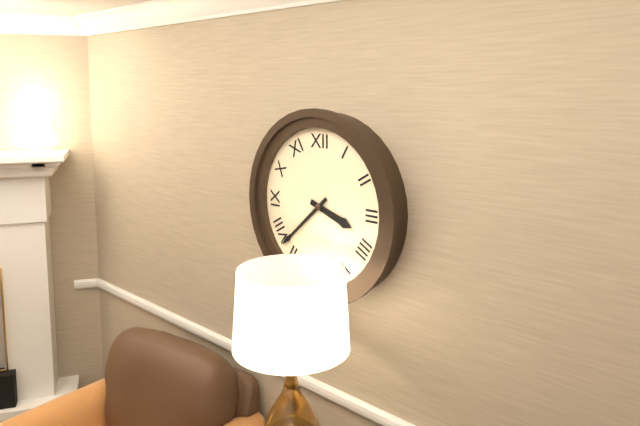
3,38
